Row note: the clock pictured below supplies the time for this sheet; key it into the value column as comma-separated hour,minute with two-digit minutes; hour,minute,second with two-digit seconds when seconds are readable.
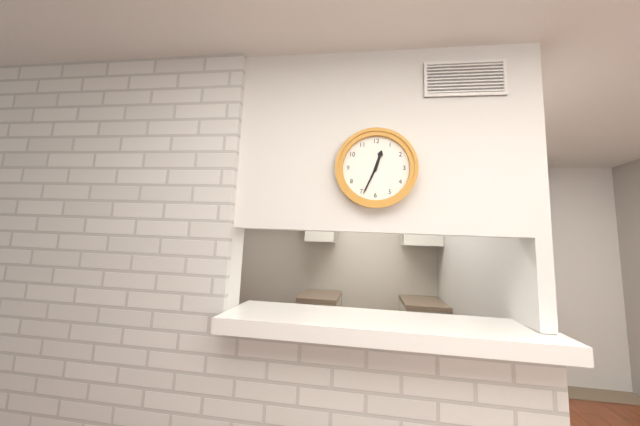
12,34
